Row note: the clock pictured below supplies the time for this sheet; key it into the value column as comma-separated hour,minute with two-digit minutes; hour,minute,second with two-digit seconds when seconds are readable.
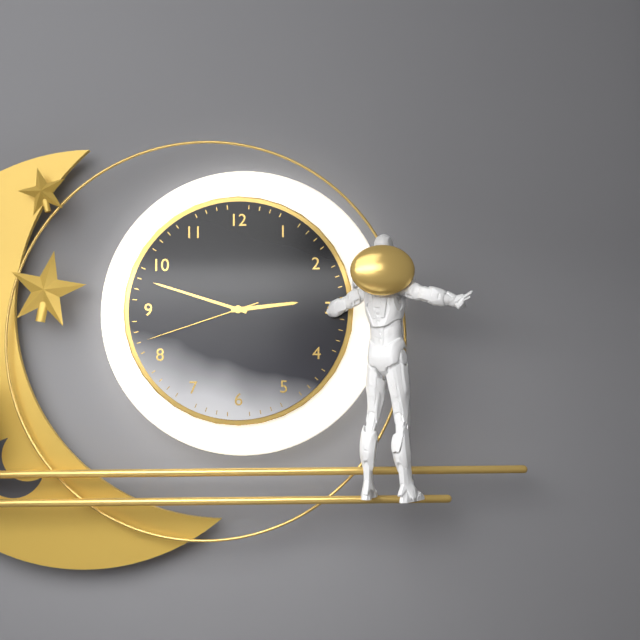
2,48,42
